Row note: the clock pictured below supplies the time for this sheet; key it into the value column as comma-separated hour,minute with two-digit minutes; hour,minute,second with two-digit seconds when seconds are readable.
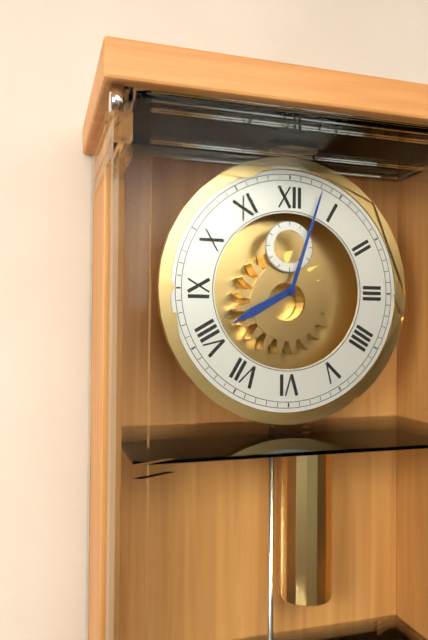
8,03
